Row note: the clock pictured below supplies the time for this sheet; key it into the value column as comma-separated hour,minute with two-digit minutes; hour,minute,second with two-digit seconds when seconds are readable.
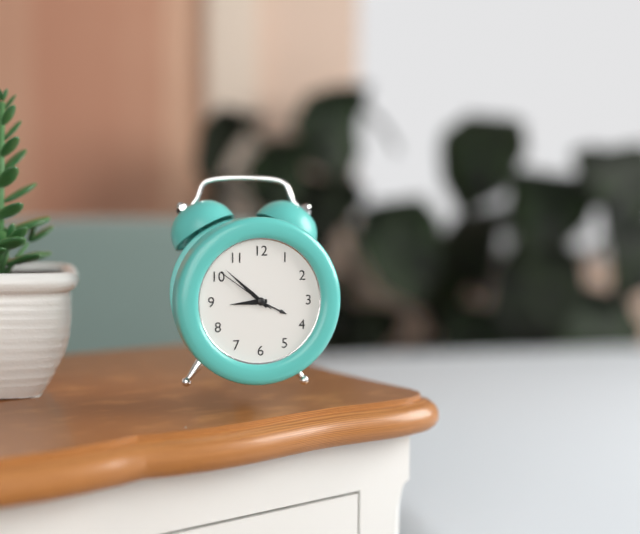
8,52,51
